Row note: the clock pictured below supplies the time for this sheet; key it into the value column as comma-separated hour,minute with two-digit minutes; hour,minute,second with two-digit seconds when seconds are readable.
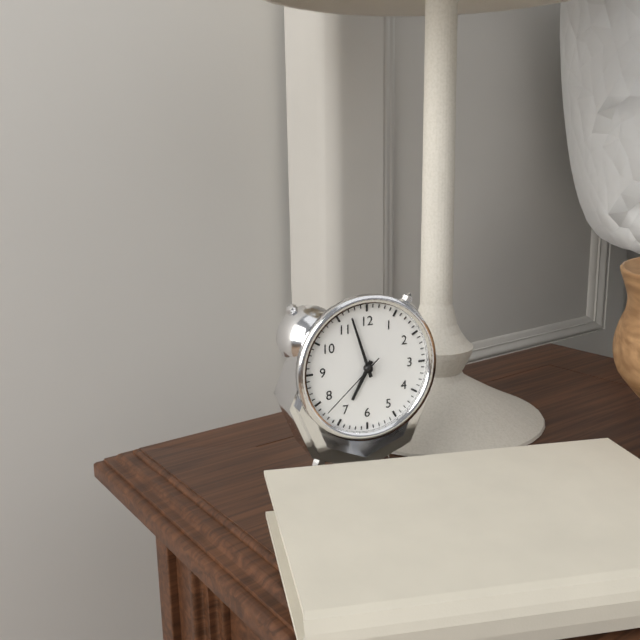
6,57,38
